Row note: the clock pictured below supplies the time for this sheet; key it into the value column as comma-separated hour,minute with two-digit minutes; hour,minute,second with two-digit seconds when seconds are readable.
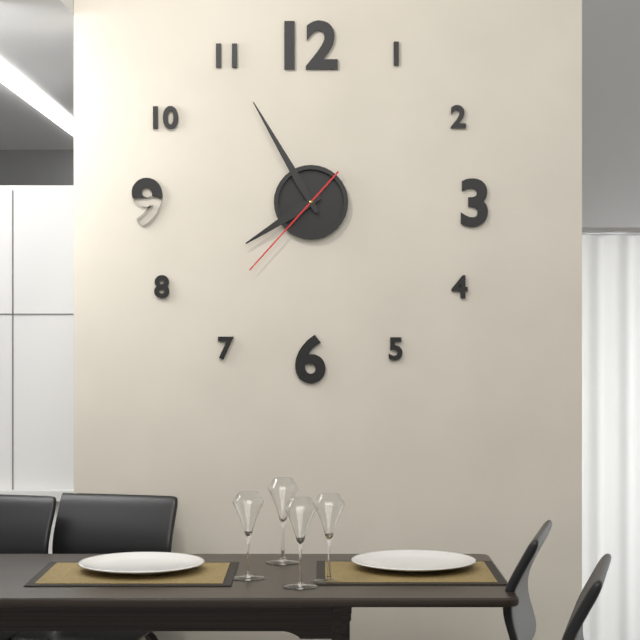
7,55,37
